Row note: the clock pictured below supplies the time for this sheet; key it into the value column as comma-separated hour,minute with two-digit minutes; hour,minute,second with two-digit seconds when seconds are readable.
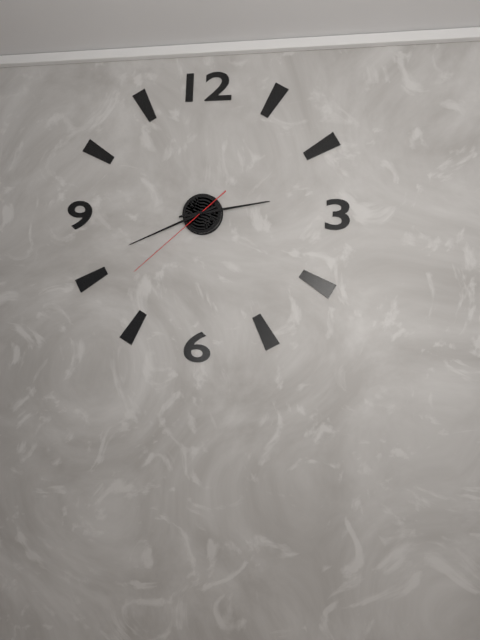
2,41,38
